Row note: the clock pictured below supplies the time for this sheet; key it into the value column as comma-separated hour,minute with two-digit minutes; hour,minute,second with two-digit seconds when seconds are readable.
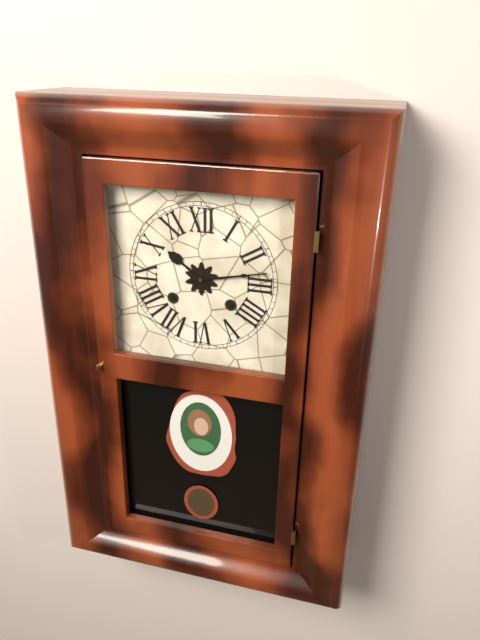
10,13
